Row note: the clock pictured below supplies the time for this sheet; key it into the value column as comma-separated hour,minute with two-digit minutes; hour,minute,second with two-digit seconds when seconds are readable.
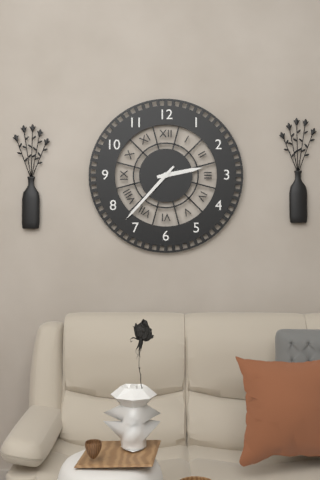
2,37
